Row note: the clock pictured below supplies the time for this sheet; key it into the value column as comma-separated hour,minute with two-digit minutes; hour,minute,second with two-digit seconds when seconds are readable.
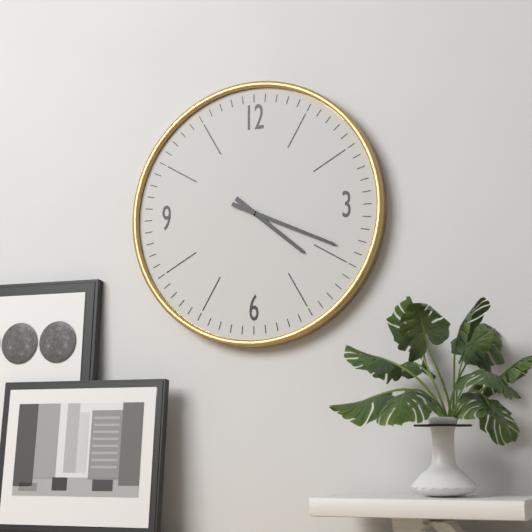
4,19
